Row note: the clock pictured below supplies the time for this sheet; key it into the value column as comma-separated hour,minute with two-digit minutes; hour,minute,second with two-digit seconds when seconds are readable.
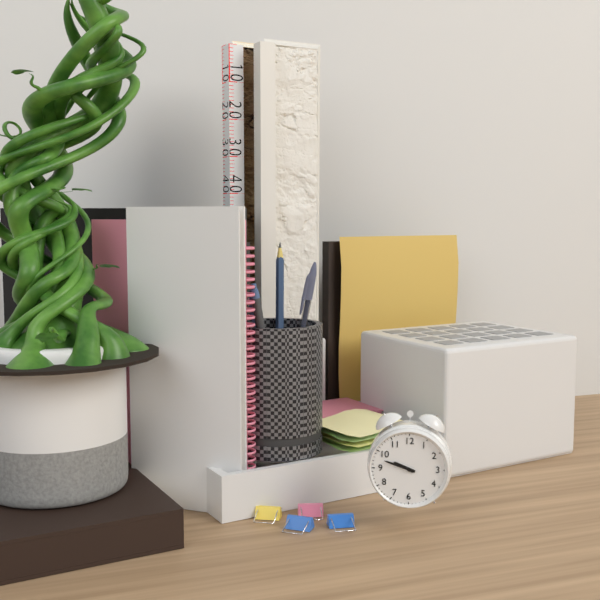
9,48
